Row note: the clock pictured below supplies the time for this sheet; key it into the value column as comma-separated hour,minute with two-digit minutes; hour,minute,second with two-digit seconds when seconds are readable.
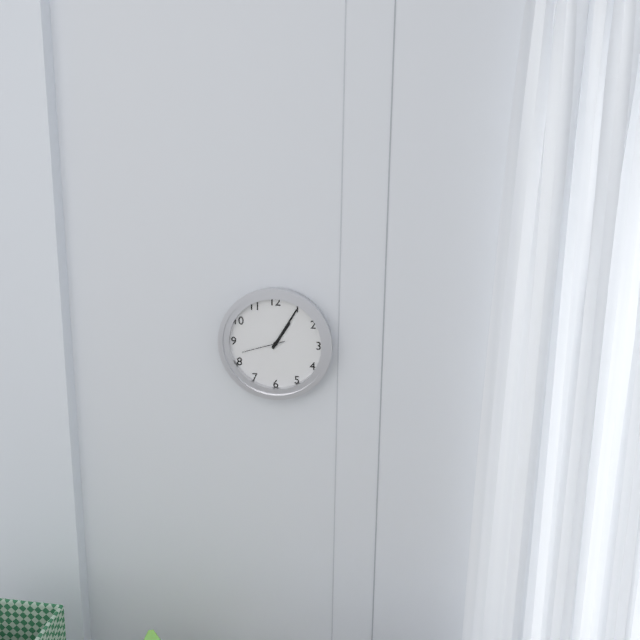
1,05
